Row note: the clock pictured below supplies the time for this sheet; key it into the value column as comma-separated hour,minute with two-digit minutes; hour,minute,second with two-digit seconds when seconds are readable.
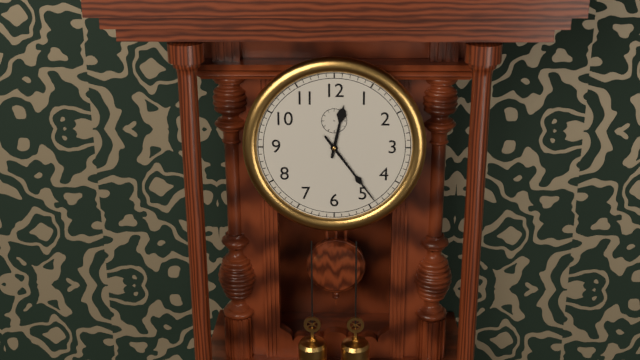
12,24
